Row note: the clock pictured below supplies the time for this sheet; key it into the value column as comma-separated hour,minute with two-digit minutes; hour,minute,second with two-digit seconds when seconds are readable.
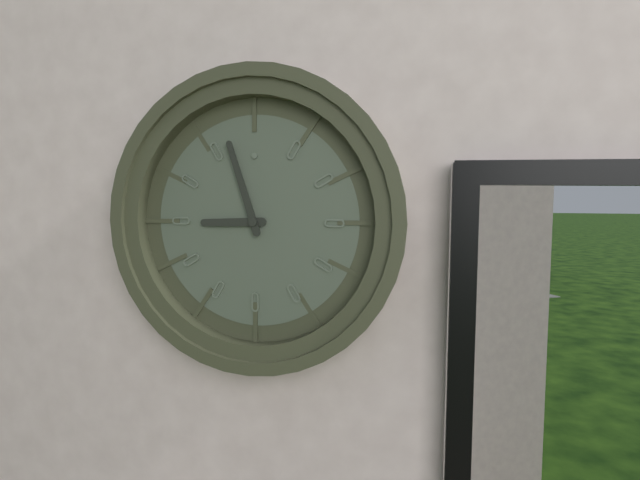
8,57
